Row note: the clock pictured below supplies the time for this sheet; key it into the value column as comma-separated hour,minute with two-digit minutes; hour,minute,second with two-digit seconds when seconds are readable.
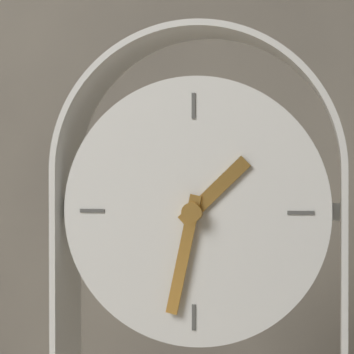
1,32
